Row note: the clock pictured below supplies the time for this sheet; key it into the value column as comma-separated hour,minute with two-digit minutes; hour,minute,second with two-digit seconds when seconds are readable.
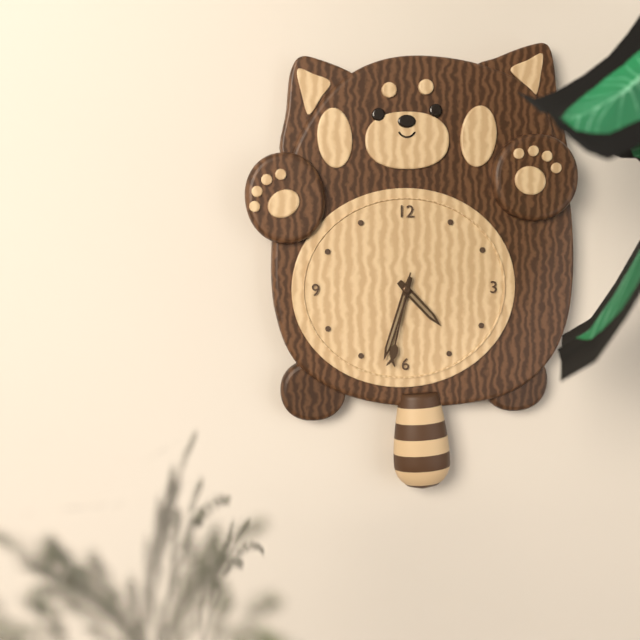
4,33,32
